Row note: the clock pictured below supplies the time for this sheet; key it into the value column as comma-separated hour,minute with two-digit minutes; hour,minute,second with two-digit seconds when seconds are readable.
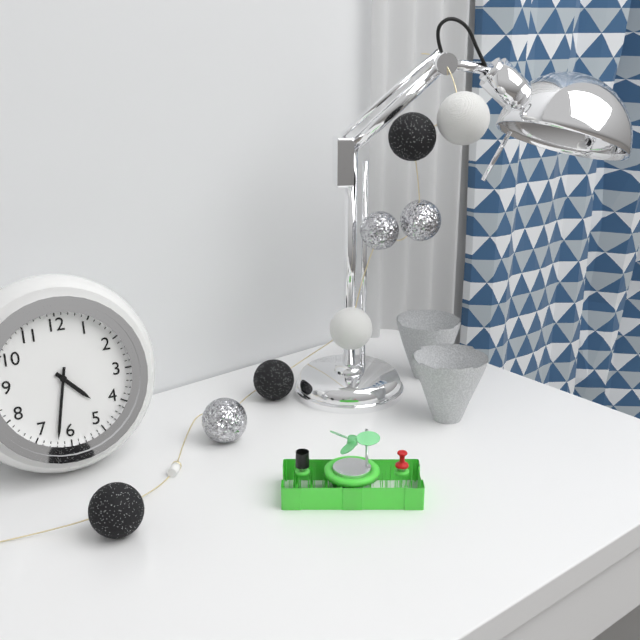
4,32
